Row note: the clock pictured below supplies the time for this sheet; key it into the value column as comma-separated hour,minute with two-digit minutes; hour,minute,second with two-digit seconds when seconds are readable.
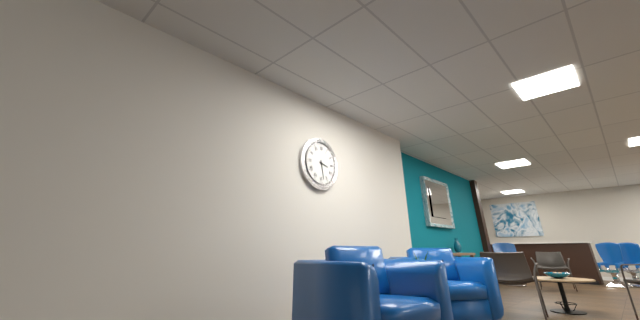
3,28
